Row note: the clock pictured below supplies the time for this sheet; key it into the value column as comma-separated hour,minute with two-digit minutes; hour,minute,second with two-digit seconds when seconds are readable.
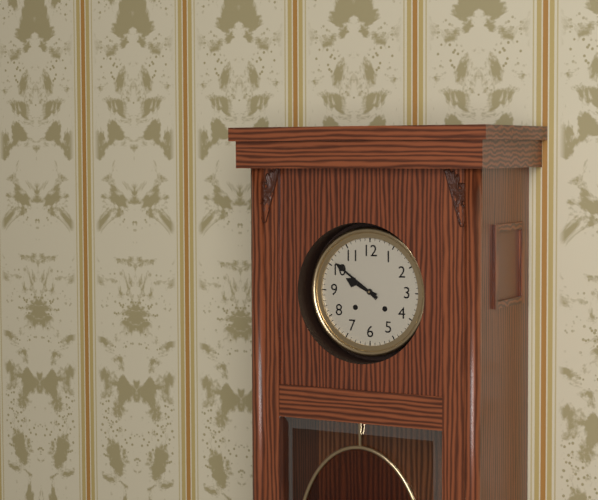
9,51
